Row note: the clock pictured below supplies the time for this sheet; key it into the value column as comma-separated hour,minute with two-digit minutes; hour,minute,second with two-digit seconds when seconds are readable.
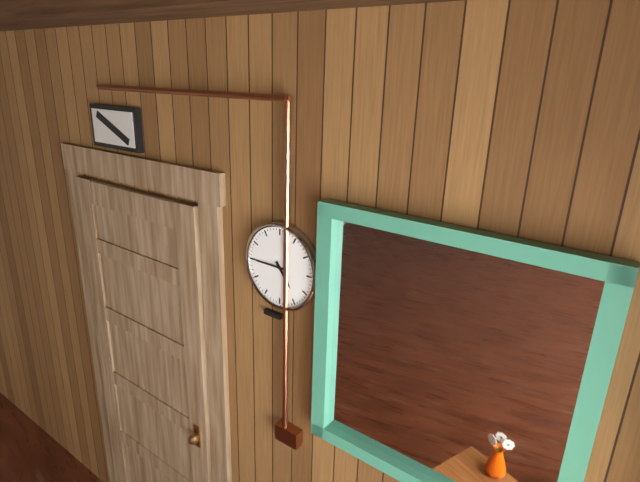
4,45
